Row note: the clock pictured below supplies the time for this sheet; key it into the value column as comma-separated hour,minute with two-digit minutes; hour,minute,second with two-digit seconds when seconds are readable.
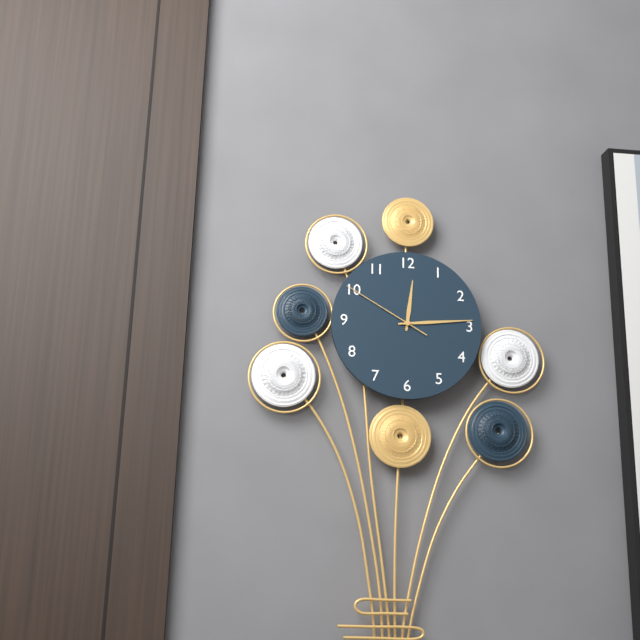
12,14,50
